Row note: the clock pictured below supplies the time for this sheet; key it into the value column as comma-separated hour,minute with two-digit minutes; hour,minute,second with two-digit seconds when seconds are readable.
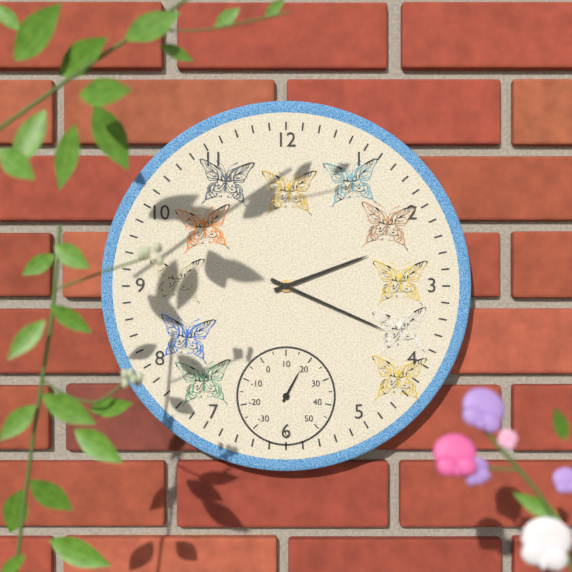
2,19
